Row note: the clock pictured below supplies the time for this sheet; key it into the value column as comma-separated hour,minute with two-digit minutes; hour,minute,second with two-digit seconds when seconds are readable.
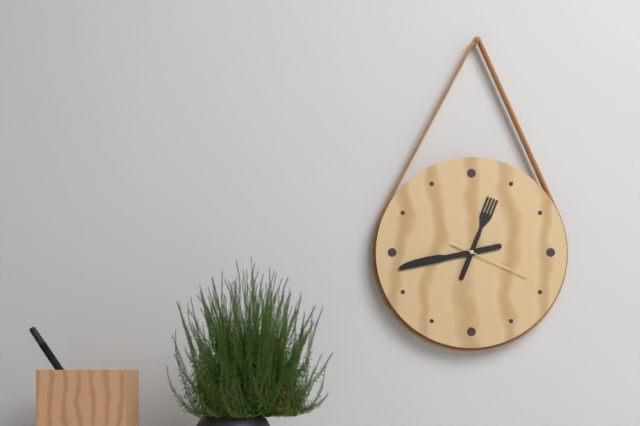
12,43,19
